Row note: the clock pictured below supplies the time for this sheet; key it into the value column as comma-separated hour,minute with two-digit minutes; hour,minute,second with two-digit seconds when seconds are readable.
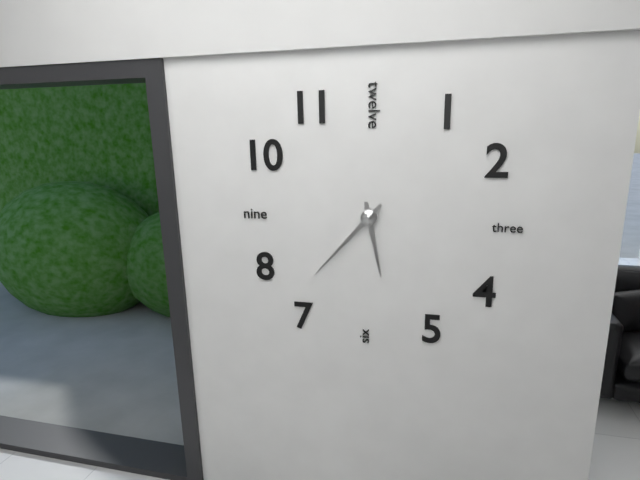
5,37
